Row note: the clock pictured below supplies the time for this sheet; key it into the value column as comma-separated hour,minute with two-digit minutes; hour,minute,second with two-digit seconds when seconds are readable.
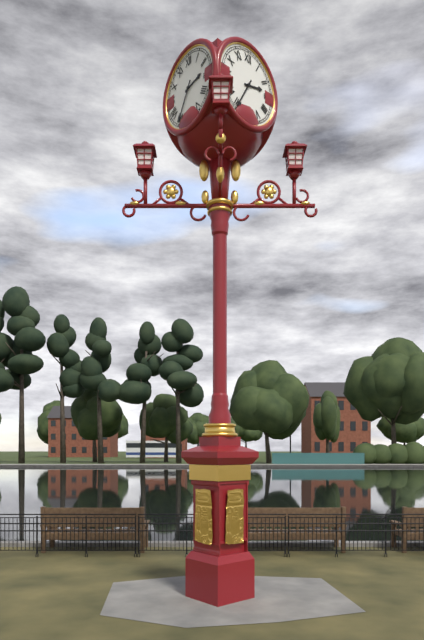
2,35
